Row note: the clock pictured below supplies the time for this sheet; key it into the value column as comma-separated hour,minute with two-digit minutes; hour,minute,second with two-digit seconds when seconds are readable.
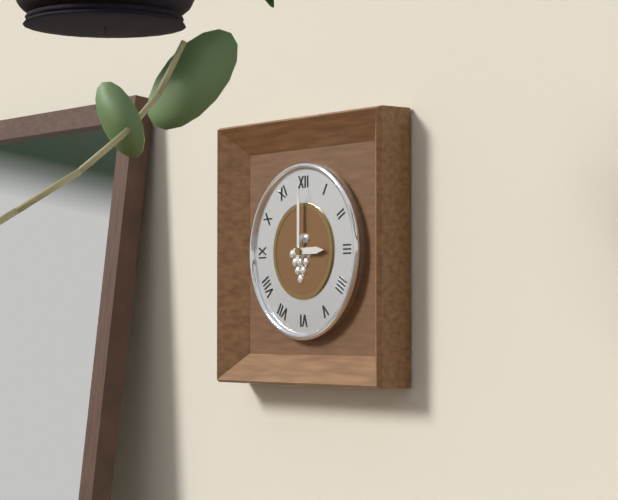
3,00
